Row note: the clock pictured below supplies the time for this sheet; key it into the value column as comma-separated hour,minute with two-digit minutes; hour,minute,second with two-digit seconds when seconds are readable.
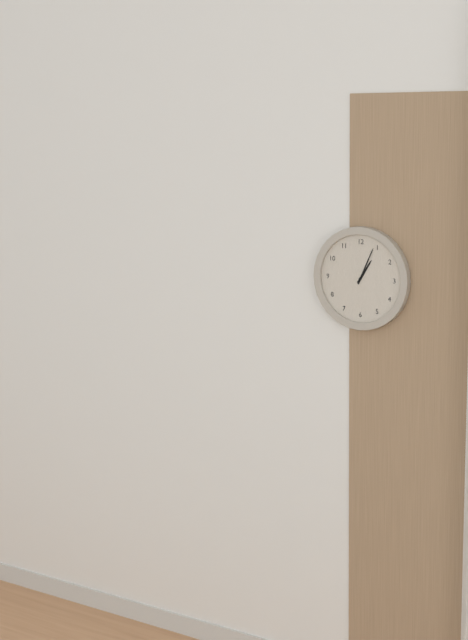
1,04
